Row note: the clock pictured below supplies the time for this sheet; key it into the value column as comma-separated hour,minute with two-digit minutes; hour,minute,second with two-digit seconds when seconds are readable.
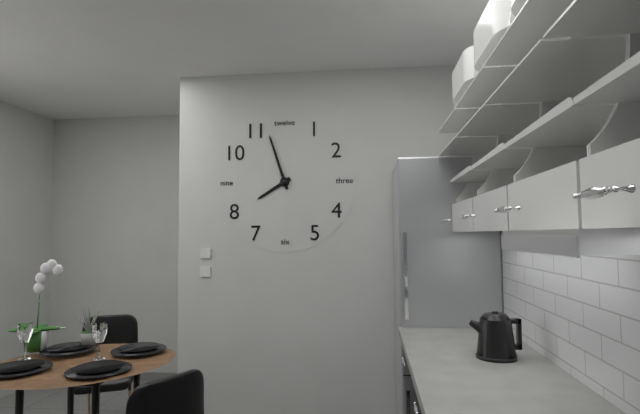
7,57
